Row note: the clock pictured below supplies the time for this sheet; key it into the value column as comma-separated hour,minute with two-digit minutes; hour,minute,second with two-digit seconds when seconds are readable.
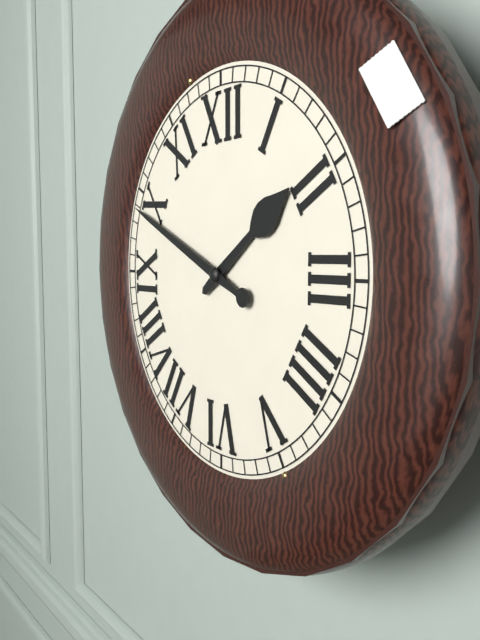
1,49
